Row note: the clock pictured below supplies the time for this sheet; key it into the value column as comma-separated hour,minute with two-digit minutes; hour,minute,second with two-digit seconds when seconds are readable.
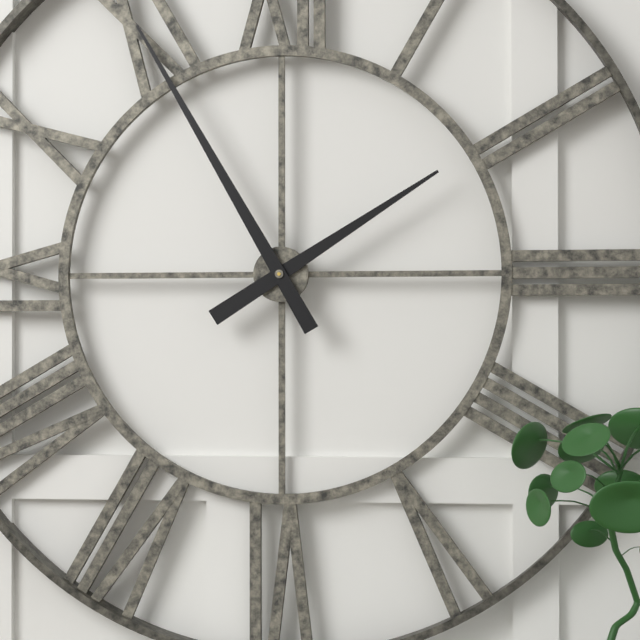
1,55
